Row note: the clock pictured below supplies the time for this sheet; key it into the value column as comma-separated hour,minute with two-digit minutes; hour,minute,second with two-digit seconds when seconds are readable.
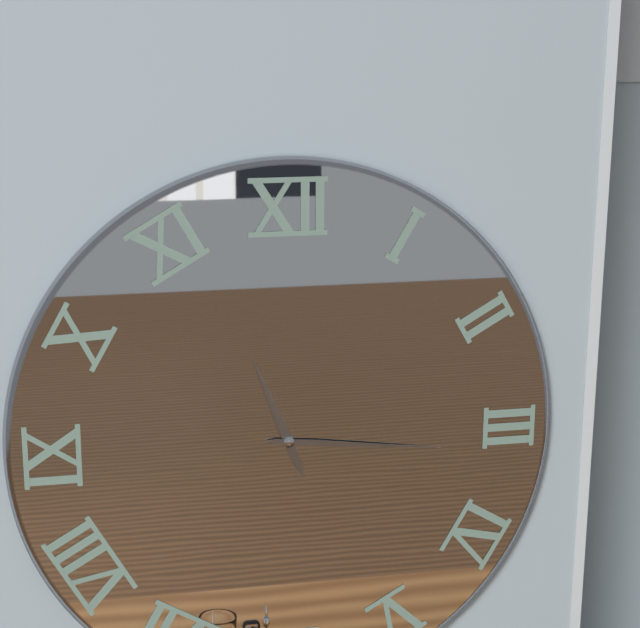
11,16
